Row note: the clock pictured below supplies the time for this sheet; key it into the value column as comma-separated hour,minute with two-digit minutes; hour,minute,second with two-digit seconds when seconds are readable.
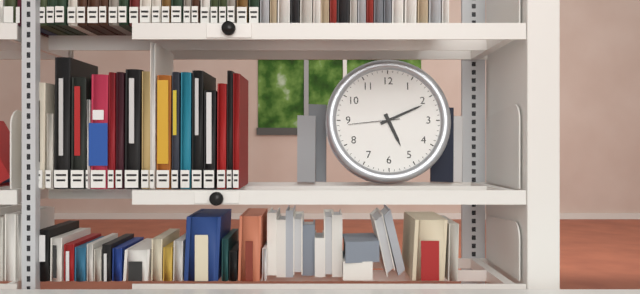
5,11,44
